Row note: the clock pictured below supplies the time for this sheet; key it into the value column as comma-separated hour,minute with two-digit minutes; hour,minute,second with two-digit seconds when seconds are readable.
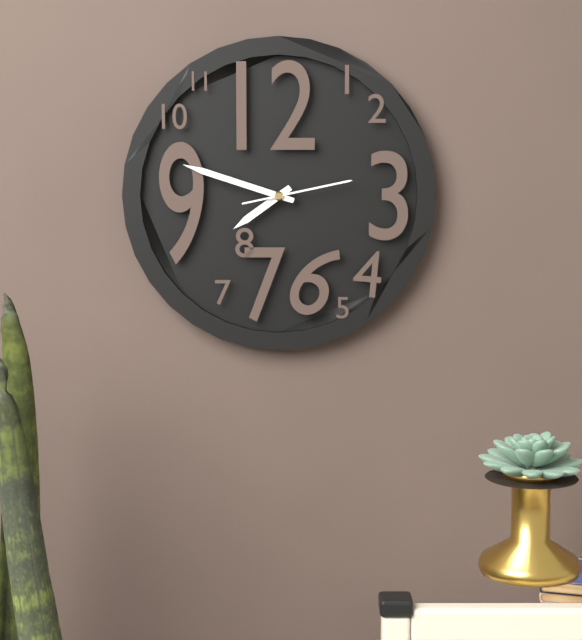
7,48,13
